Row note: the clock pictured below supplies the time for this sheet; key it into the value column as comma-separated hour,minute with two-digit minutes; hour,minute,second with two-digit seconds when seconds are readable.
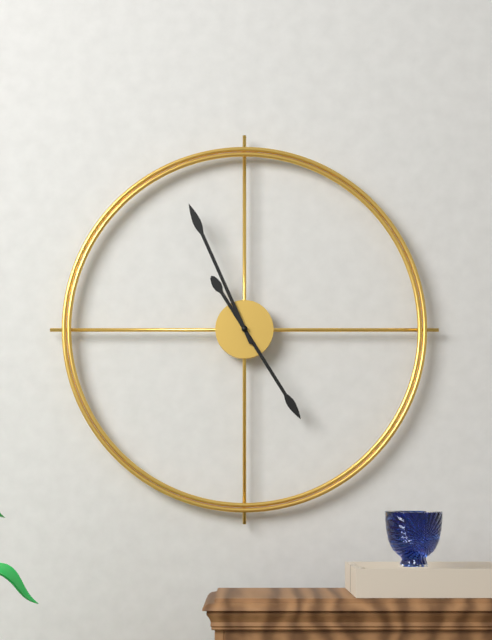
4,56
